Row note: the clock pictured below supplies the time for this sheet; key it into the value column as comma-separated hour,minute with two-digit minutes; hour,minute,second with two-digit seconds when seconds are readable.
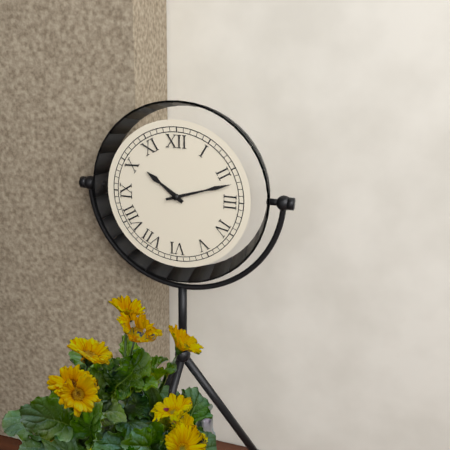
10,12
